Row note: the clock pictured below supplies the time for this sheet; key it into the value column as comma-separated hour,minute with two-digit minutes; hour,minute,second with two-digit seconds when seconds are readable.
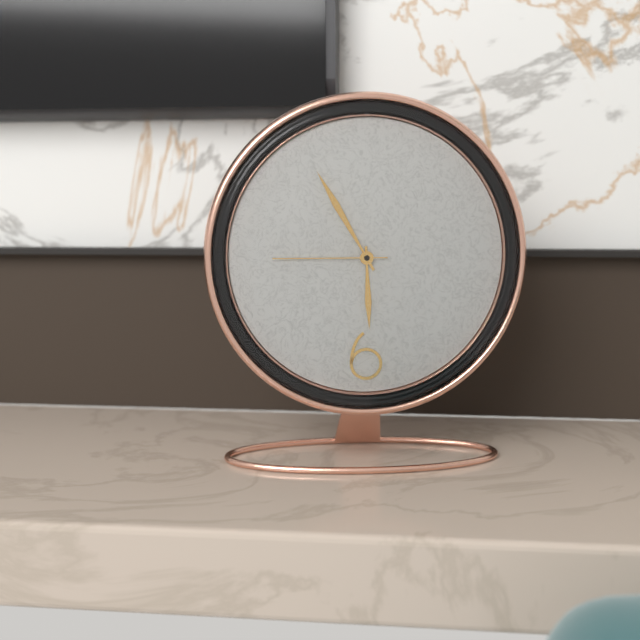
5,55,45
